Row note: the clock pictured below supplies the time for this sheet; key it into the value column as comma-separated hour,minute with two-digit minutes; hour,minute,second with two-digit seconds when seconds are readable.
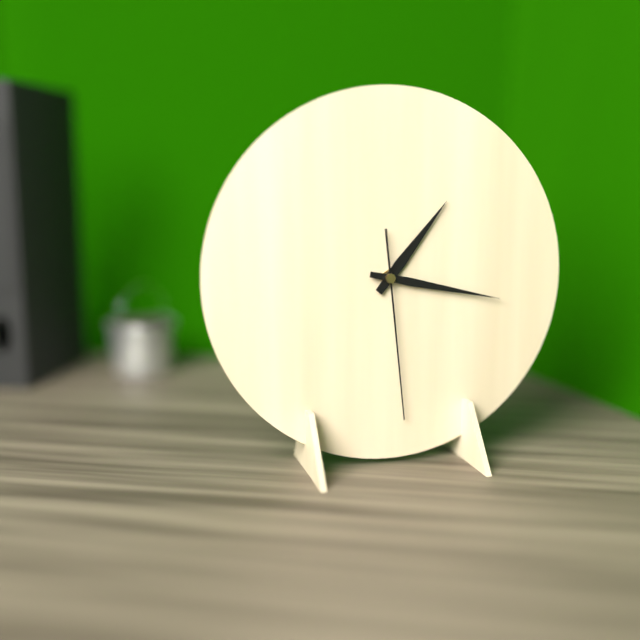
1,17,29
